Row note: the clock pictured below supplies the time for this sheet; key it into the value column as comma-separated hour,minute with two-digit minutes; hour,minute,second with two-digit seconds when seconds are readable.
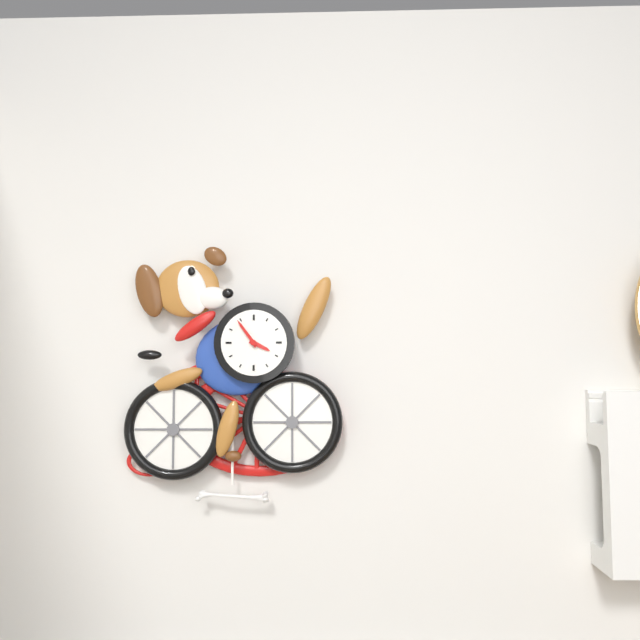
3,54
